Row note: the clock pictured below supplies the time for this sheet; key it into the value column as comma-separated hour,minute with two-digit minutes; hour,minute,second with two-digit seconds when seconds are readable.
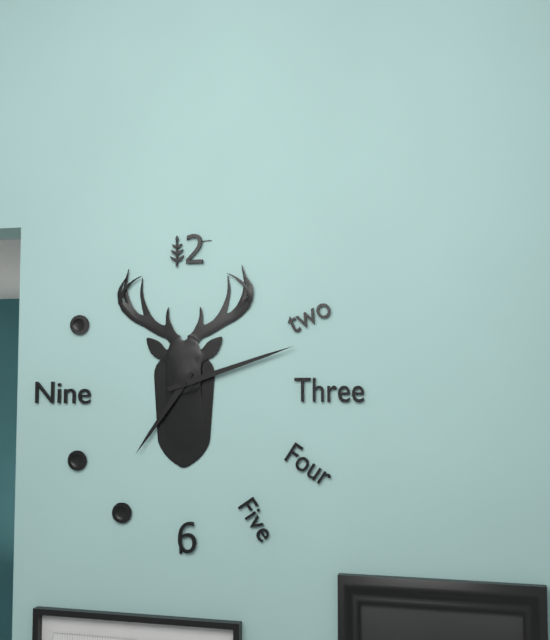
7,12
